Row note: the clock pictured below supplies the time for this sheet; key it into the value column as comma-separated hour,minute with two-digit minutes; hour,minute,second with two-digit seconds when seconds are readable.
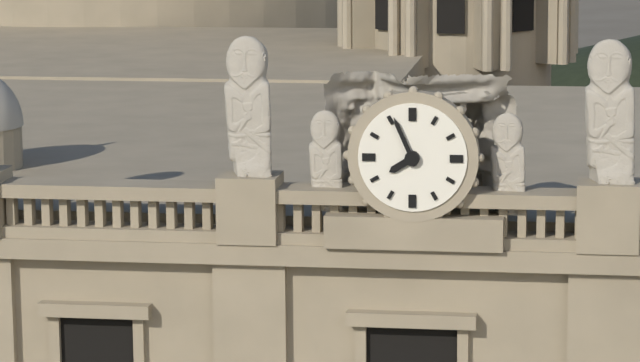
7,56
